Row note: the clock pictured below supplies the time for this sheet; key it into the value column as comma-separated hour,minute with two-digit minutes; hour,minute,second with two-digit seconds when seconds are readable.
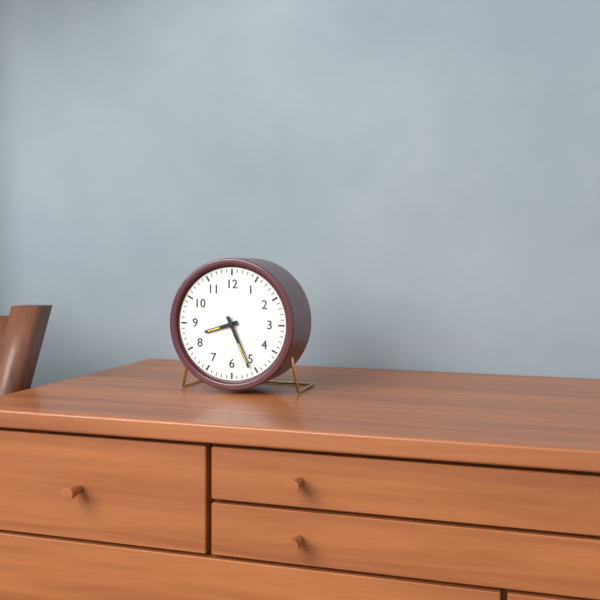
8,26
